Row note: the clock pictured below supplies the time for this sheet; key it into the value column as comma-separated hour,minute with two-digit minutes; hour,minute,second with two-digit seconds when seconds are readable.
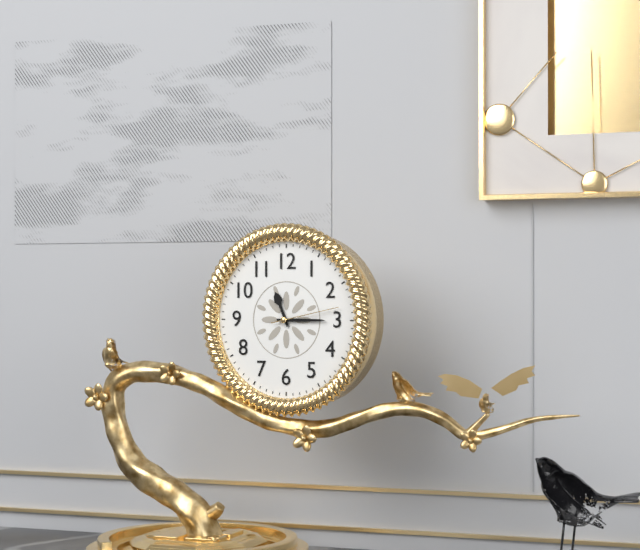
11,15,13
